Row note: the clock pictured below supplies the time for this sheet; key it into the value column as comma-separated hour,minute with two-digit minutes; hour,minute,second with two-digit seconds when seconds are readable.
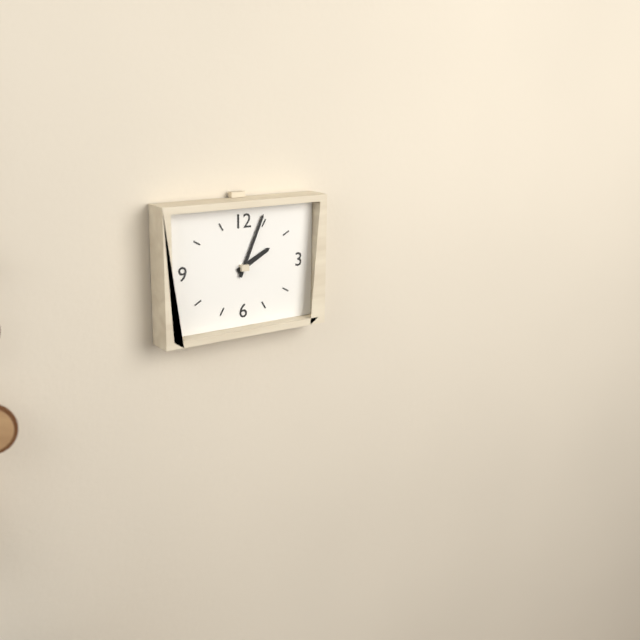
2,04
